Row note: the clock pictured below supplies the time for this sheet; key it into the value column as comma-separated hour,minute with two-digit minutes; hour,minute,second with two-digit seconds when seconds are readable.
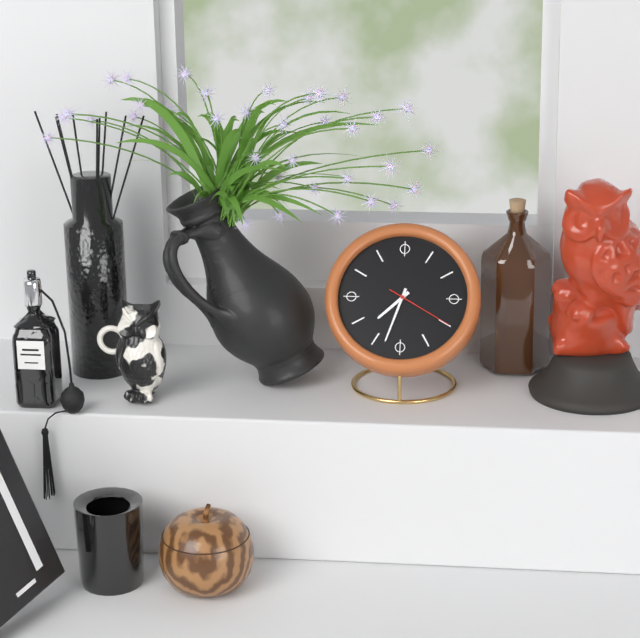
7,33,20
